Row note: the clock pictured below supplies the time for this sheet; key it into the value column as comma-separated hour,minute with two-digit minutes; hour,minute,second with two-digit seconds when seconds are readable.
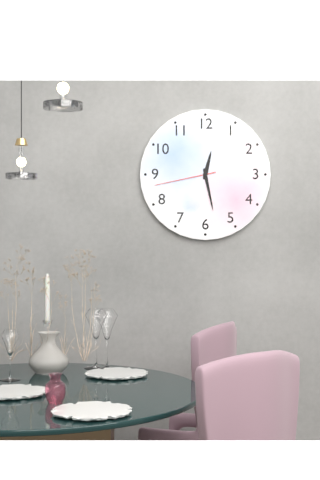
12,28,43
